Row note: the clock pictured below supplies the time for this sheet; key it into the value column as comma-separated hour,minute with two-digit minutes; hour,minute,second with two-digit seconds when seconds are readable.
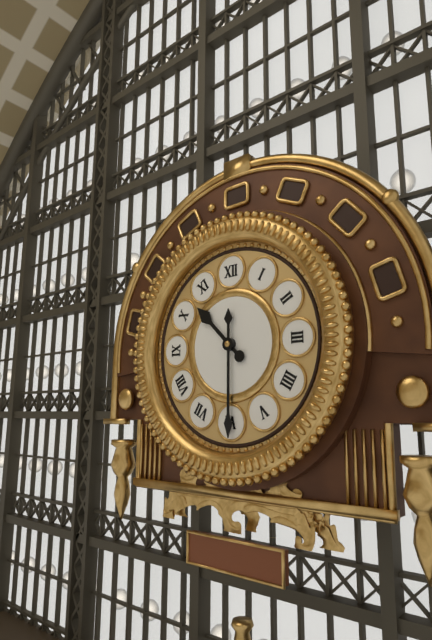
10,30
